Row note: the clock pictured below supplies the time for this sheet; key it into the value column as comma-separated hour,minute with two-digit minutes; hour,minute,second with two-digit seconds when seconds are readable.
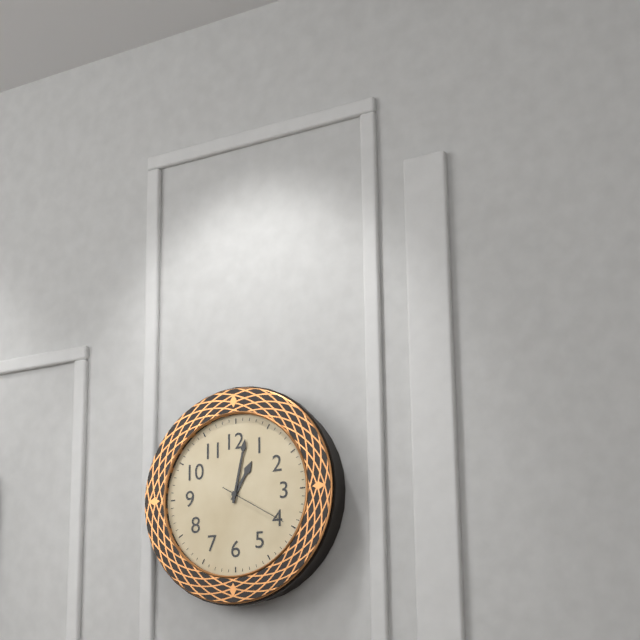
1,02,20
